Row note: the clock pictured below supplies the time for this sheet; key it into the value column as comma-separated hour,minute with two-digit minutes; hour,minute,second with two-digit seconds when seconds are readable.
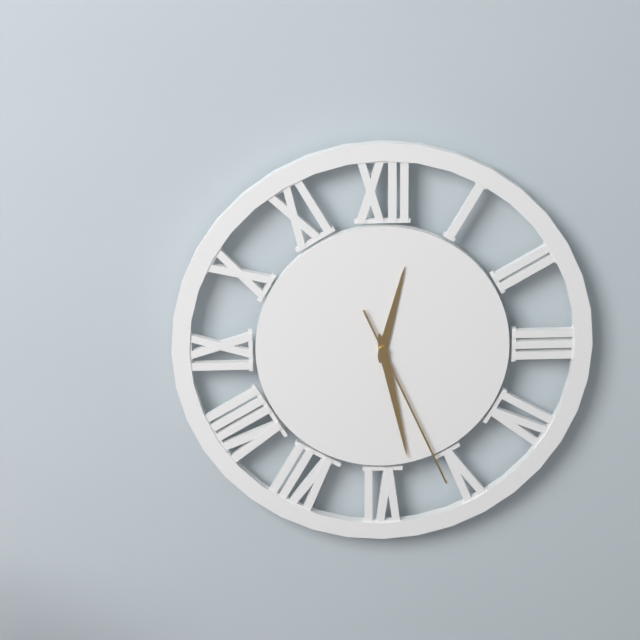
12,28,26
